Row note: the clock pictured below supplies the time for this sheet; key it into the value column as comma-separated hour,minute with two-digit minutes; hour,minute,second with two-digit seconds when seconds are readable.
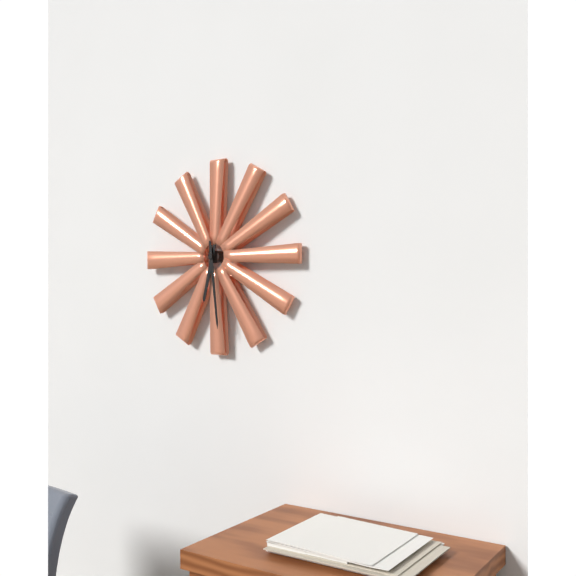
6,29
